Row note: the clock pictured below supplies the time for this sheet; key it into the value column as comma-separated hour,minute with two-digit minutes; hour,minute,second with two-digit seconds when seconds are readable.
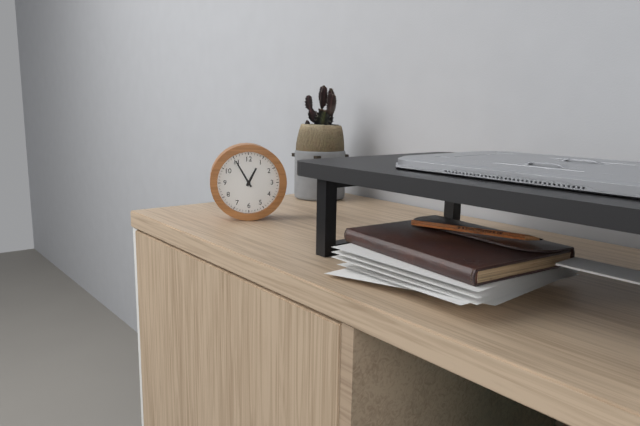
12,55
